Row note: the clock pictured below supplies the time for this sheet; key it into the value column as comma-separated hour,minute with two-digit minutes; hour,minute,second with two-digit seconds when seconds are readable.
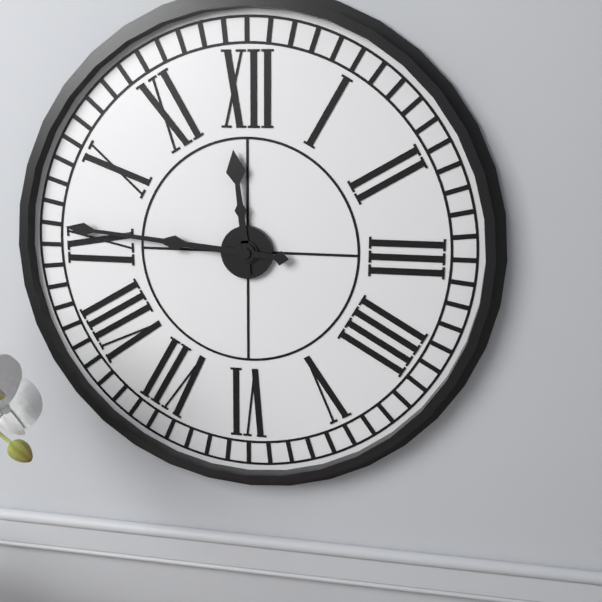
11,46
